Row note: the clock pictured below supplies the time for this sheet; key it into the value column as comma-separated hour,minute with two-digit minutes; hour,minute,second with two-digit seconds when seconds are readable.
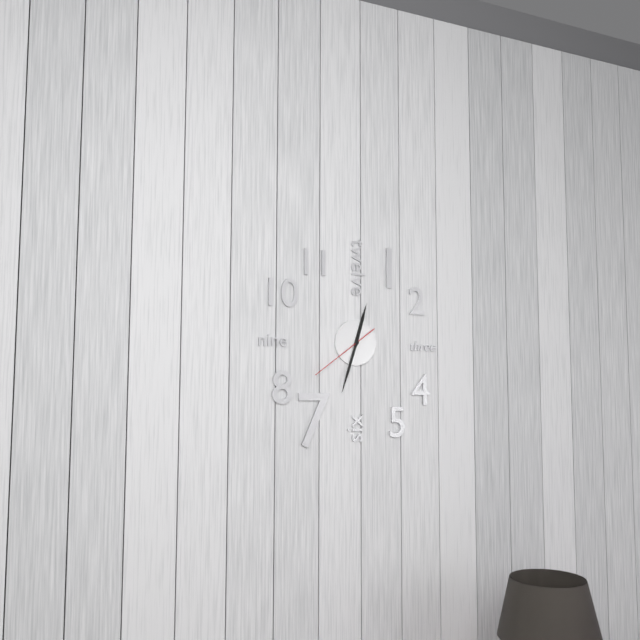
12,33,39
